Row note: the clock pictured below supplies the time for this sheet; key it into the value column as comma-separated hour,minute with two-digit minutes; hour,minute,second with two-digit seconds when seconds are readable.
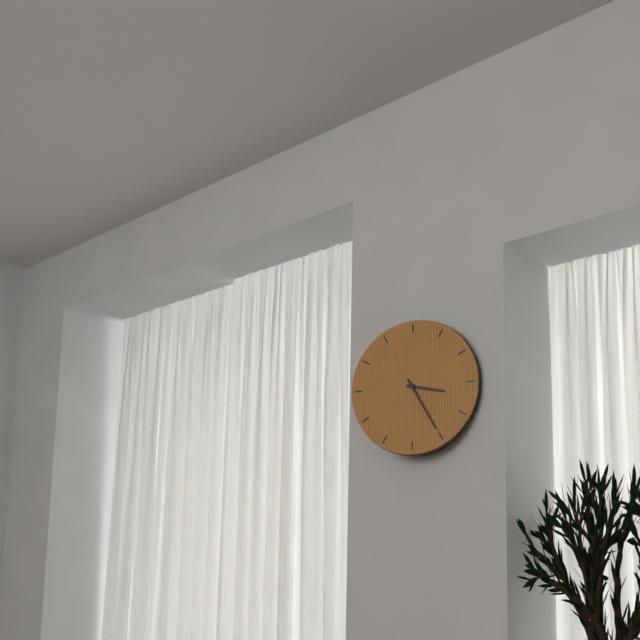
3,25
